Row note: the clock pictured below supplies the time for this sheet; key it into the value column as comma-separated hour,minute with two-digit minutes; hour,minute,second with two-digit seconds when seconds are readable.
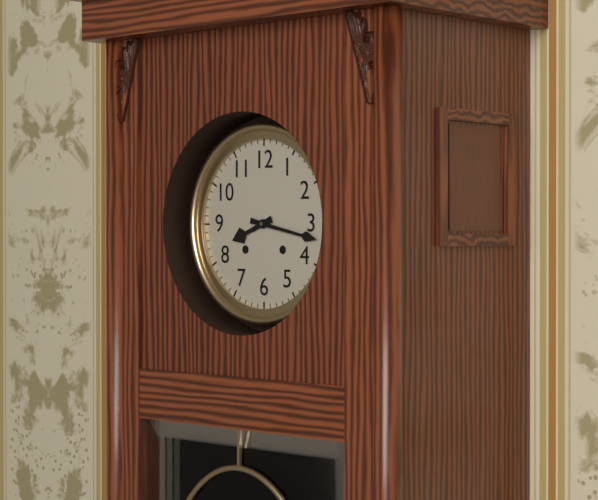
8,17
